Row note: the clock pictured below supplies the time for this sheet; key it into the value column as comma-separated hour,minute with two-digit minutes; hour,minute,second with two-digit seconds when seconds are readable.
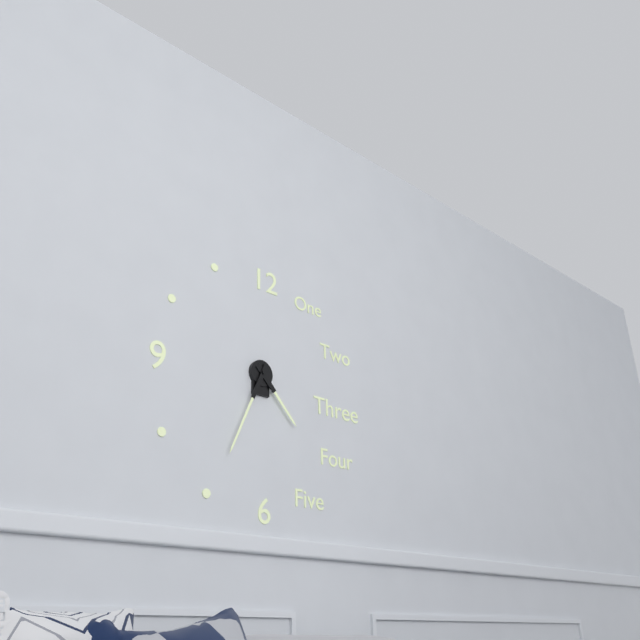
4,34
